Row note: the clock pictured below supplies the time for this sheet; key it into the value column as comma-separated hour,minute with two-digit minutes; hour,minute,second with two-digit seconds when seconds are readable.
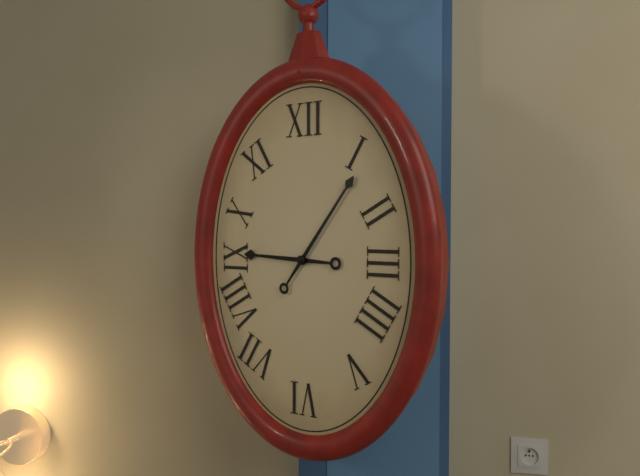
9,06
